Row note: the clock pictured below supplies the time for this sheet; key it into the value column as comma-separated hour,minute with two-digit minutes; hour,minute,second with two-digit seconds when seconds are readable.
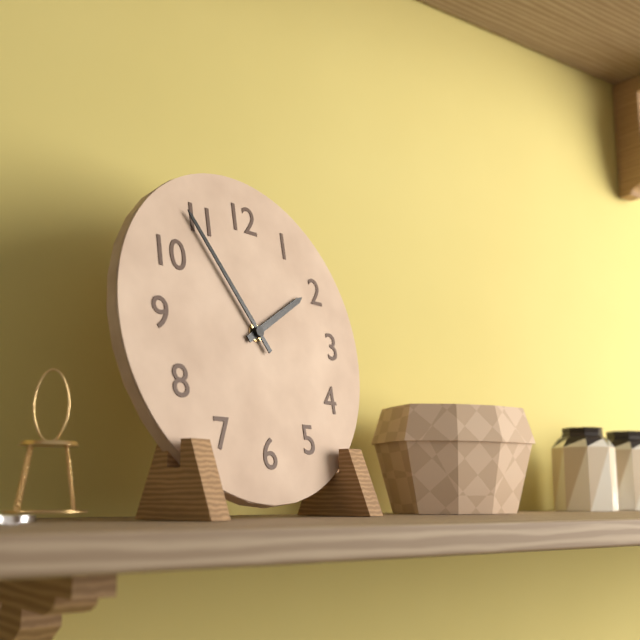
1,54
